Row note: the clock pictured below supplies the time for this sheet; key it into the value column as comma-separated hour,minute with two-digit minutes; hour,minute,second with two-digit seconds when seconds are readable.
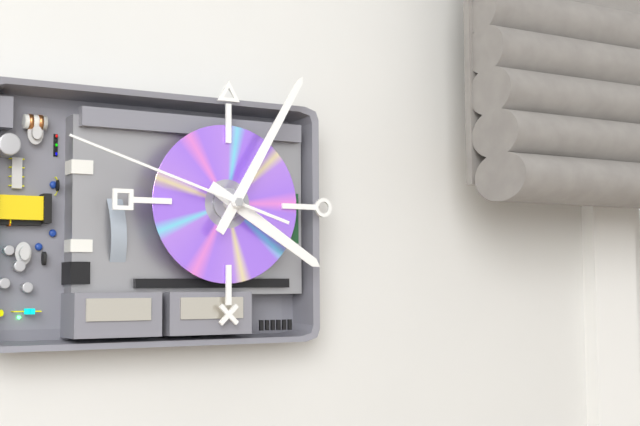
4,05,48
